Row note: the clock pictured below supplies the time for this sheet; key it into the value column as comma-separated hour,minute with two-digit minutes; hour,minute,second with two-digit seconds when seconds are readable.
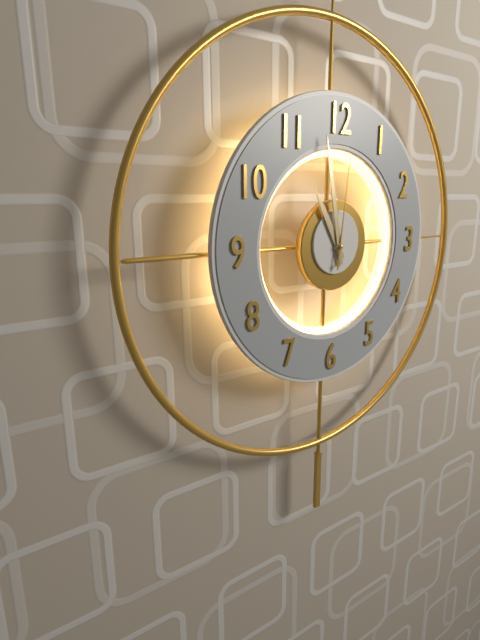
10,58,01
